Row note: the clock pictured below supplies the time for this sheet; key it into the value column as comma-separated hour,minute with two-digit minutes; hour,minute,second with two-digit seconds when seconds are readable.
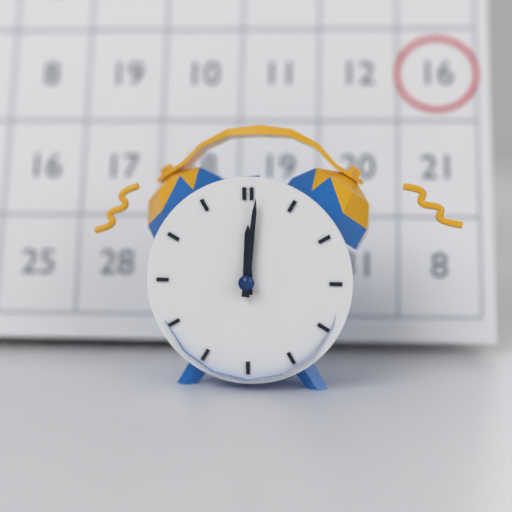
12,01
